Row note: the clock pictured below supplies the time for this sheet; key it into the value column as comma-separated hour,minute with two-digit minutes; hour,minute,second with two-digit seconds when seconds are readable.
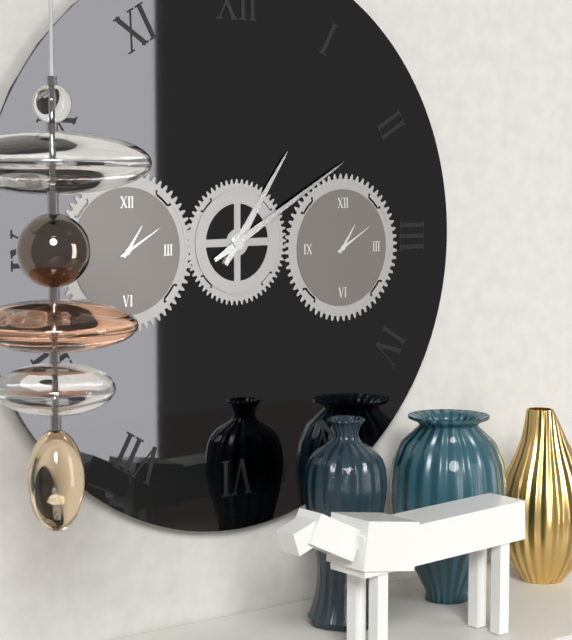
1,10
